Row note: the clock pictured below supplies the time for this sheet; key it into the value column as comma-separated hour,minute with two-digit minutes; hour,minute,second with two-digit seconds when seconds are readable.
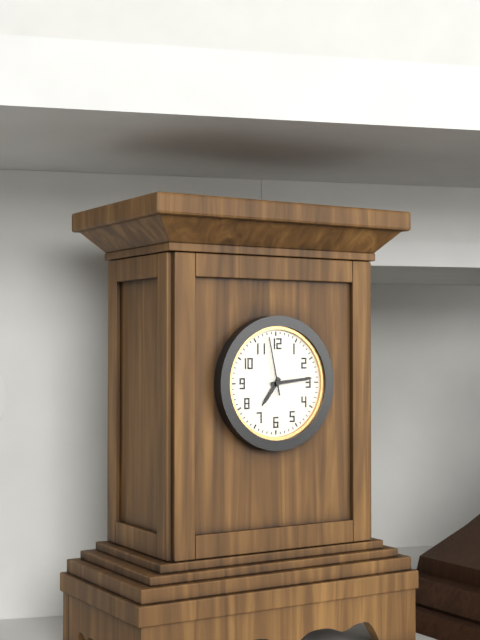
7,14,58
